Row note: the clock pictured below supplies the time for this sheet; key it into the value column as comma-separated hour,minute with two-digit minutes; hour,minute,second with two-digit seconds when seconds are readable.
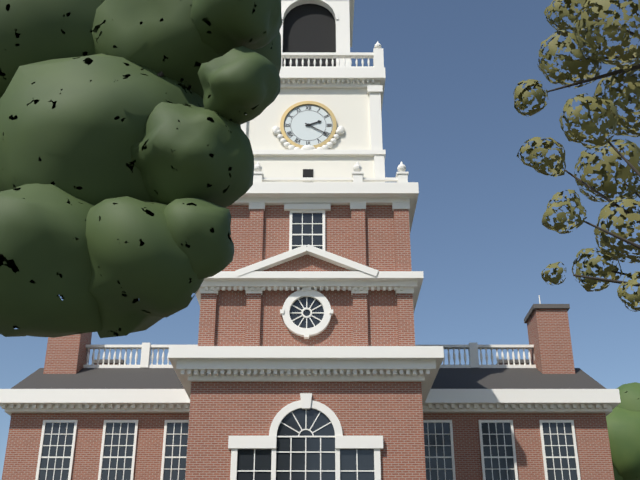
2,20
